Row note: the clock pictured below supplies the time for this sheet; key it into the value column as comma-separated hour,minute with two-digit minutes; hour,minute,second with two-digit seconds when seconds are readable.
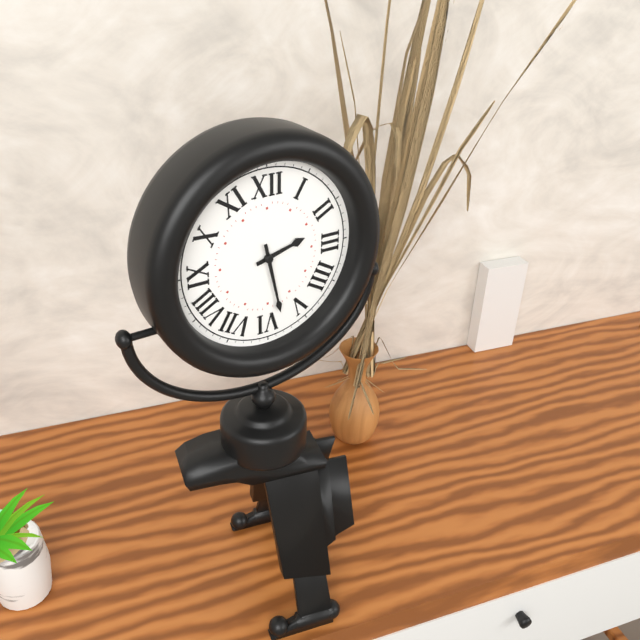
2,28
